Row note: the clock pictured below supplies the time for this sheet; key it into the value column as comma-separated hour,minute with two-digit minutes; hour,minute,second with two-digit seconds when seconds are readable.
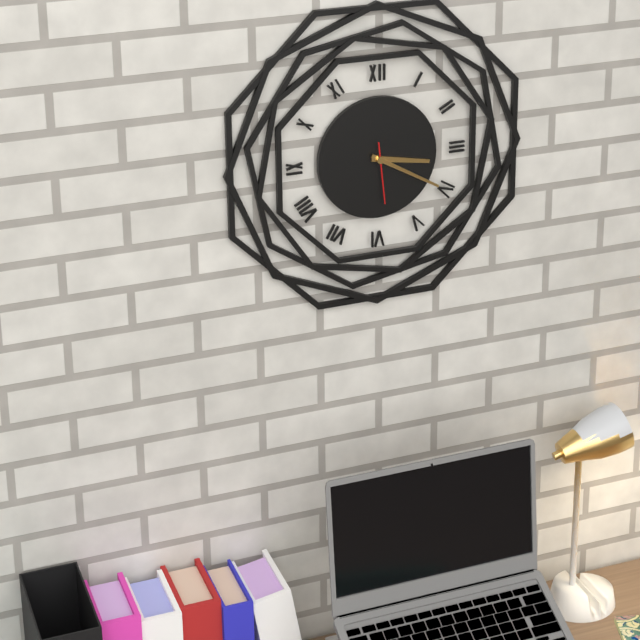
3,20,29
